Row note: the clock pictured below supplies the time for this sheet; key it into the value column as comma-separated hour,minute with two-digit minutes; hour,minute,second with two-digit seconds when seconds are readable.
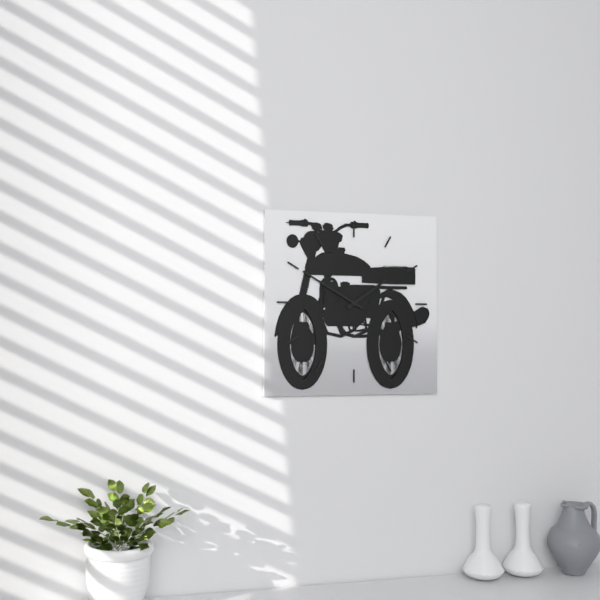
1,50
